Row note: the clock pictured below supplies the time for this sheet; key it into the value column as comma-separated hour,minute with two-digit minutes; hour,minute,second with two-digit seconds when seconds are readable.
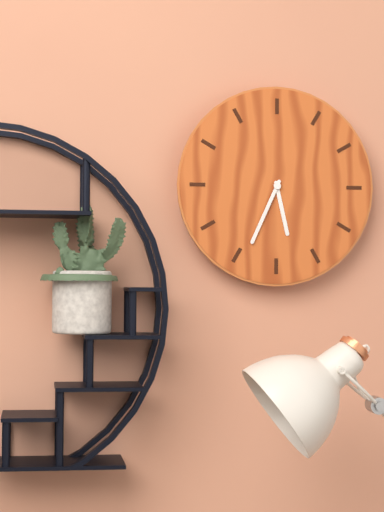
5,34
